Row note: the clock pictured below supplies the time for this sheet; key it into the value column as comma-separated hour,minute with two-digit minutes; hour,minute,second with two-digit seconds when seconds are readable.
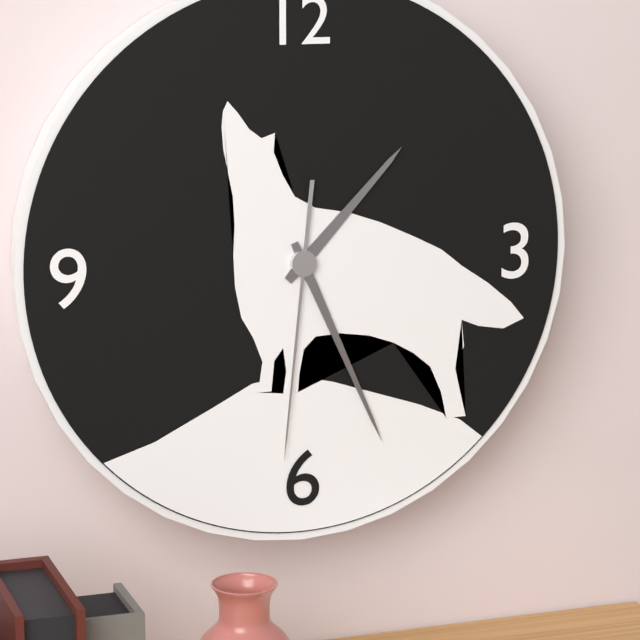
1,26,31
